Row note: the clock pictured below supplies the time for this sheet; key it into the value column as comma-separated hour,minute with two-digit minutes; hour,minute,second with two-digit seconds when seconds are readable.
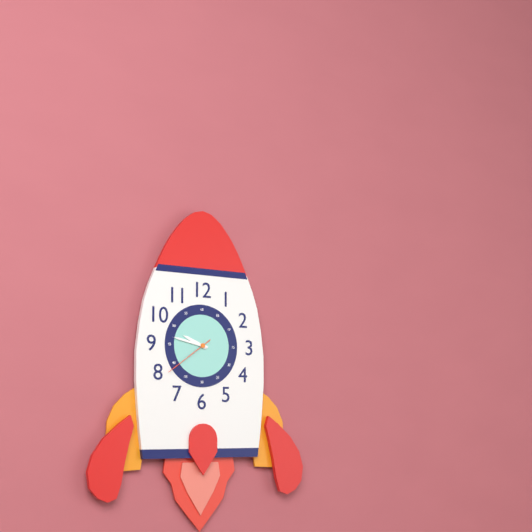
9,47,39
